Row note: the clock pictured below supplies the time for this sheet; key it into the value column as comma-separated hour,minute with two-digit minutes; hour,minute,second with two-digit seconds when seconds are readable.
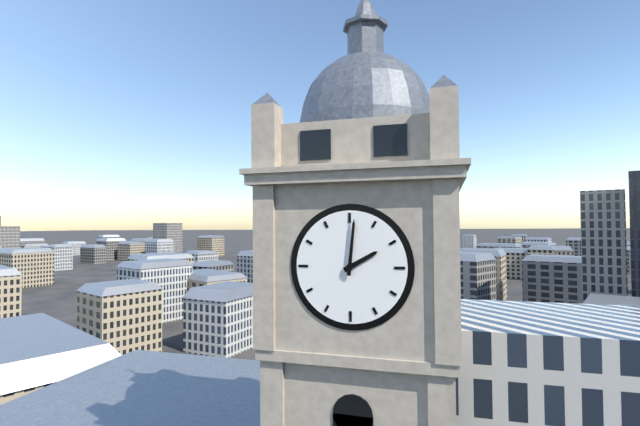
2,01
